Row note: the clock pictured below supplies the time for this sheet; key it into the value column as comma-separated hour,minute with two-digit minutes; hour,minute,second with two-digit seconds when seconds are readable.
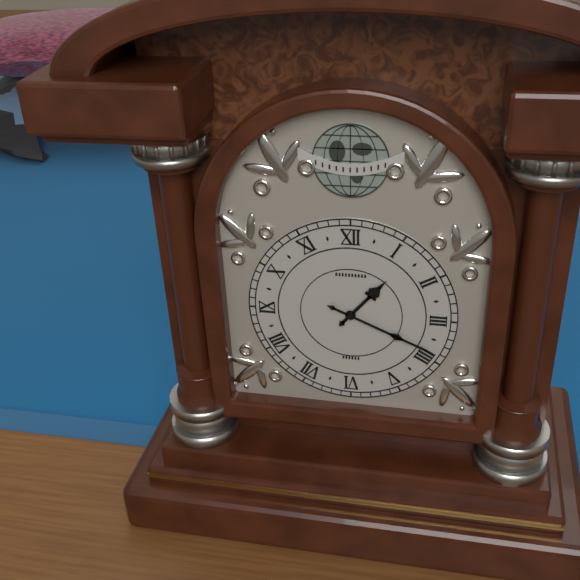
1,19
